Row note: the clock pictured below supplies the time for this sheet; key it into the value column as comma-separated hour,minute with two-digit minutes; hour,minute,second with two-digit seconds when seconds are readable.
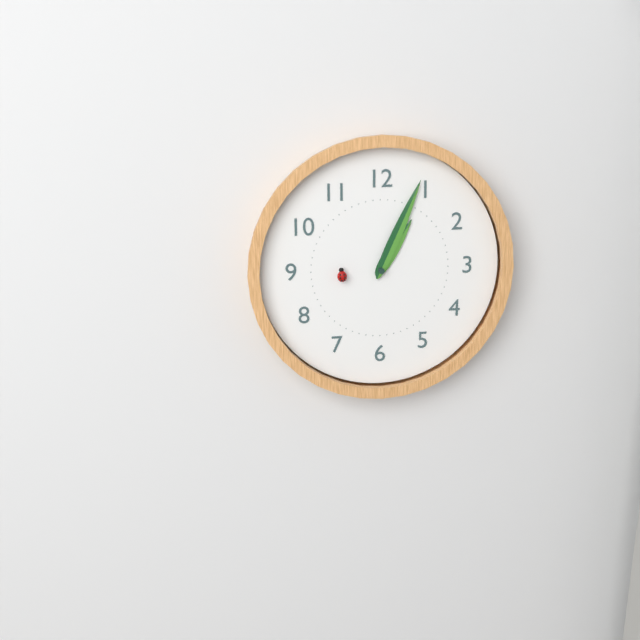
1,04,44
